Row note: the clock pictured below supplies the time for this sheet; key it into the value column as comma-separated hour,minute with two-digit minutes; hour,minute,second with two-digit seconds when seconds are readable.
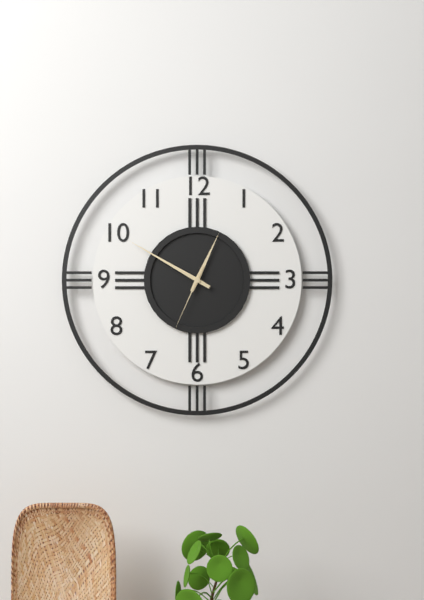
12,50,34
